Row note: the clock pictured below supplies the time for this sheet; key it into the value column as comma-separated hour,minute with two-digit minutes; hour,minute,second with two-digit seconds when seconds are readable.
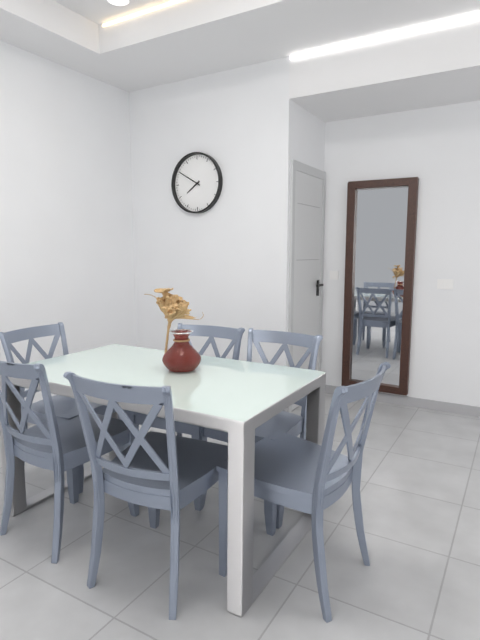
7,50
